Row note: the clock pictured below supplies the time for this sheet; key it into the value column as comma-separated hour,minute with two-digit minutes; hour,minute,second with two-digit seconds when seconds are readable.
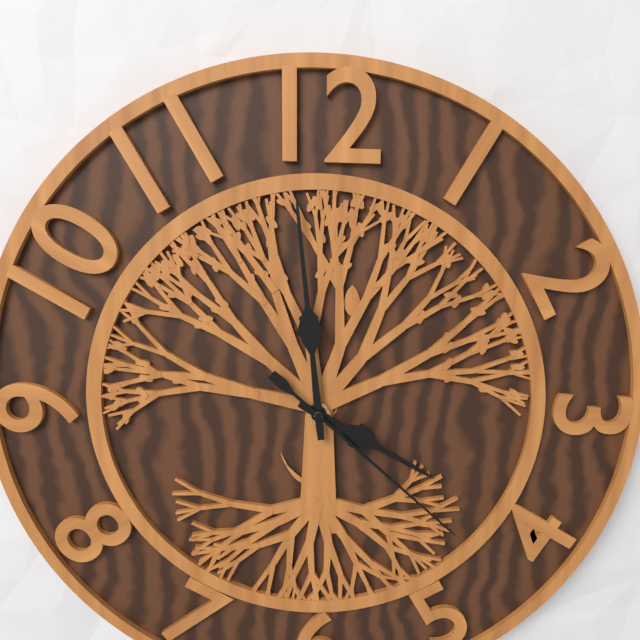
3,59,22
